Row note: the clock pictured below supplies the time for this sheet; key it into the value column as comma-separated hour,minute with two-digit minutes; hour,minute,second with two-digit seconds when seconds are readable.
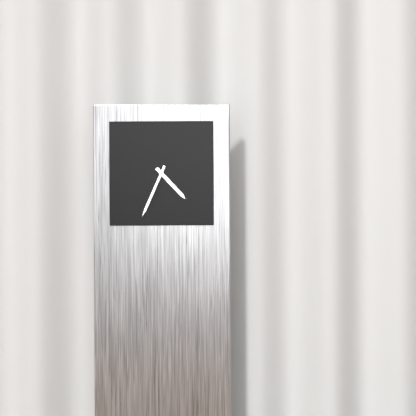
4,34
